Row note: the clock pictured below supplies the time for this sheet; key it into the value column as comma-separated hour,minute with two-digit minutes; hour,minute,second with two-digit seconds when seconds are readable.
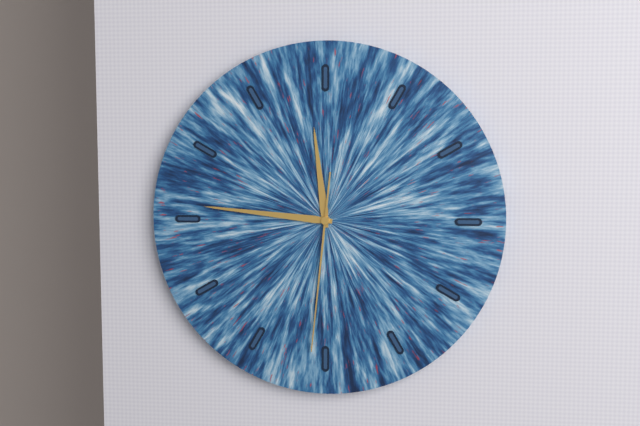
11,46,31
